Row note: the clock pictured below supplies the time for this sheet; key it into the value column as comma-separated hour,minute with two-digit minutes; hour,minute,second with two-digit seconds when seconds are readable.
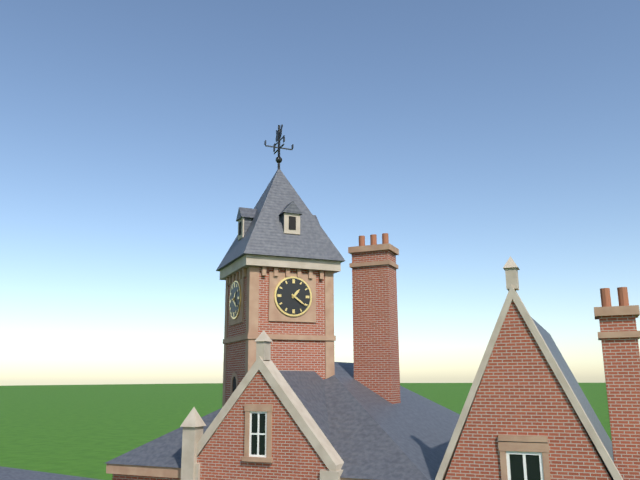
1,21
